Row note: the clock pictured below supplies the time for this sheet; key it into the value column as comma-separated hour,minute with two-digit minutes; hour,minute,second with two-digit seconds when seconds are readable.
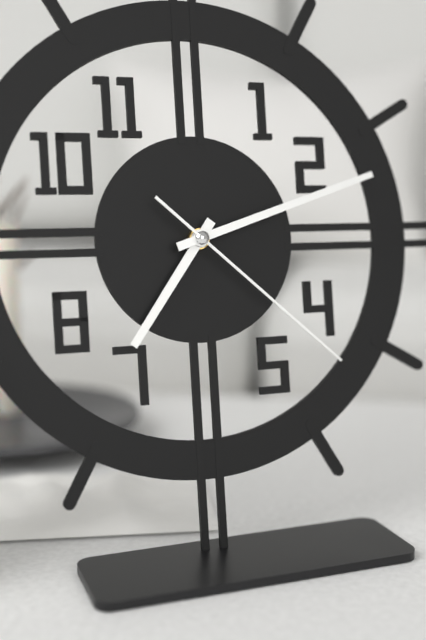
7,12,22
